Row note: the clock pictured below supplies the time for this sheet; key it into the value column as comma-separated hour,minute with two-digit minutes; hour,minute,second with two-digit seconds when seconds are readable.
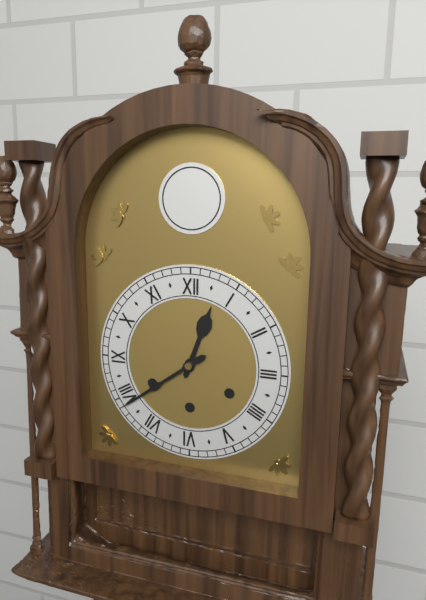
12,39
